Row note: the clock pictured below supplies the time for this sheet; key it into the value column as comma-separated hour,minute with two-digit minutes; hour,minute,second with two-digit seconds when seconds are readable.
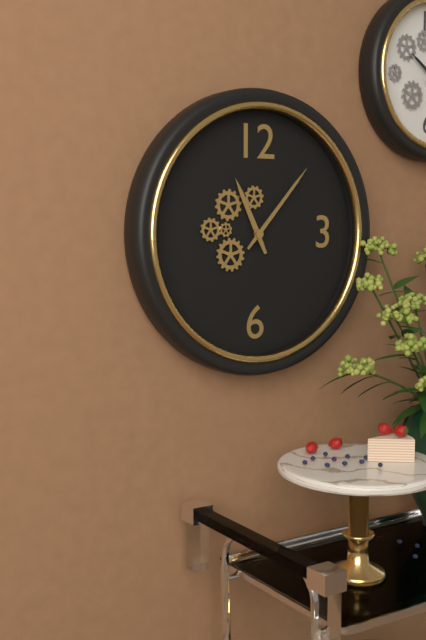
11,07
